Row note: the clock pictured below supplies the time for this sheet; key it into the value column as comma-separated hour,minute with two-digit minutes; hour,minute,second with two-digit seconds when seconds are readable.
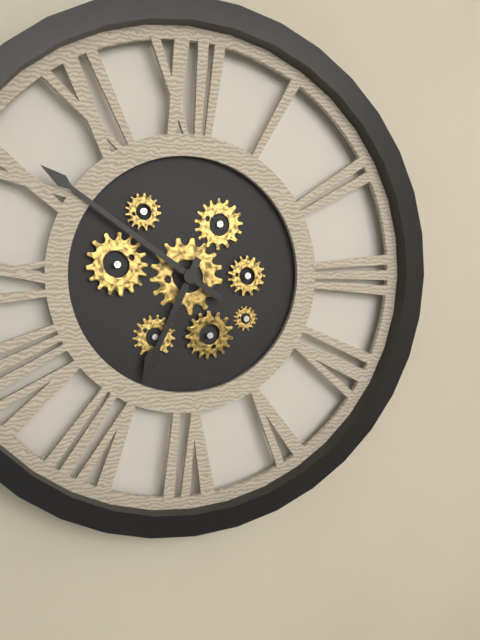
6,51
